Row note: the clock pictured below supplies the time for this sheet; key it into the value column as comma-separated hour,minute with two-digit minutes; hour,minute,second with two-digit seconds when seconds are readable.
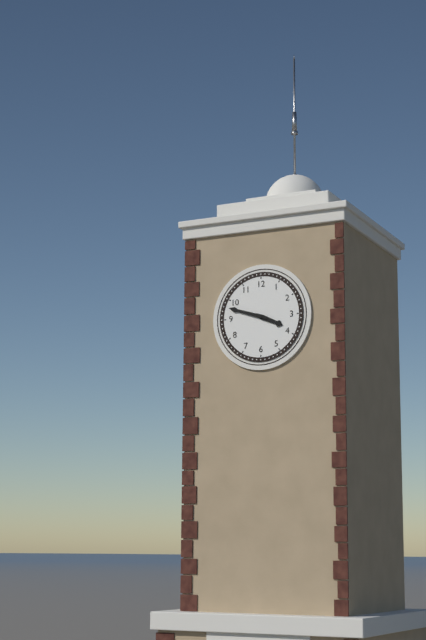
3,48
